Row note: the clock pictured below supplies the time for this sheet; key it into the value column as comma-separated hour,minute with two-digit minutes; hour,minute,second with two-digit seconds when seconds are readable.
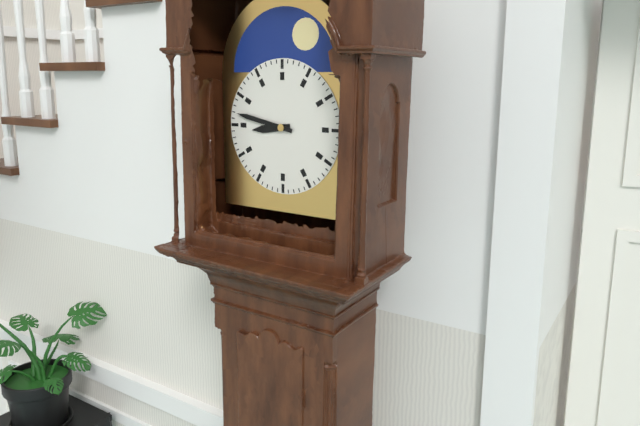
8,47
